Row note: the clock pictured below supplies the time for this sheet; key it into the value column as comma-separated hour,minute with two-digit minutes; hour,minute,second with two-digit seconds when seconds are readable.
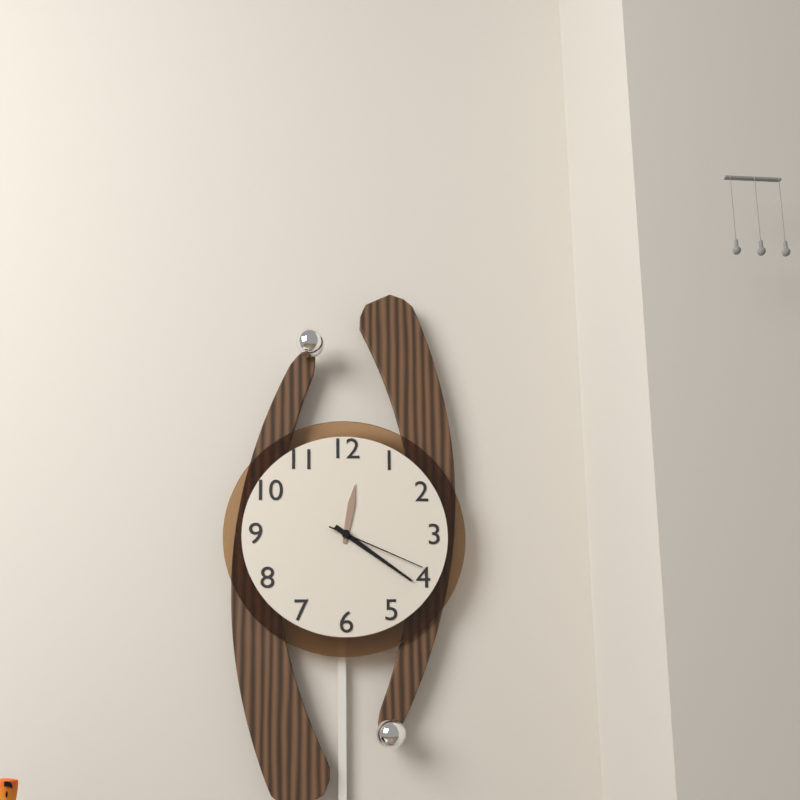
12,21,19
